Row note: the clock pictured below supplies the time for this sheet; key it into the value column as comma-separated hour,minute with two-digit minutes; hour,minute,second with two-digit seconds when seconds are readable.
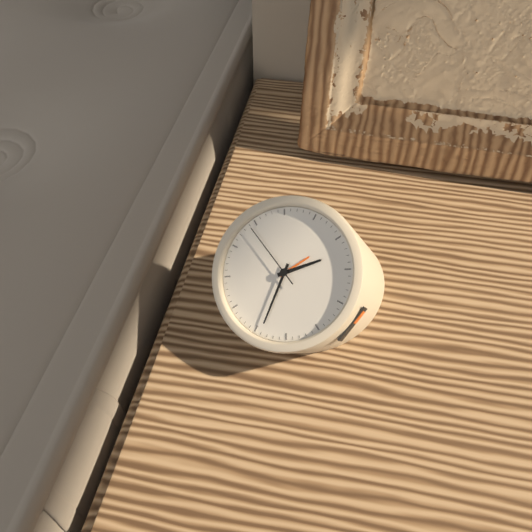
1,29,49
